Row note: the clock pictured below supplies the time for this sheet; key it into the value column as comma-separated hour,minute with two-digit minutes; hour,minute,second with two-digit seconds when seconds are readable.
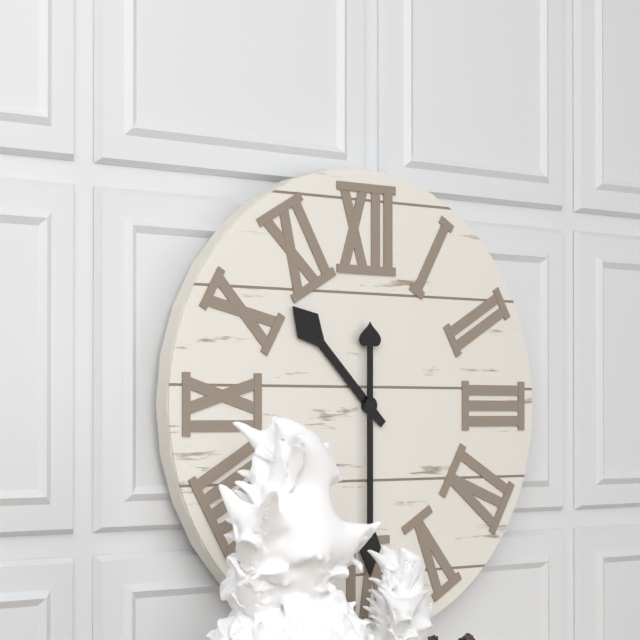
10,30
